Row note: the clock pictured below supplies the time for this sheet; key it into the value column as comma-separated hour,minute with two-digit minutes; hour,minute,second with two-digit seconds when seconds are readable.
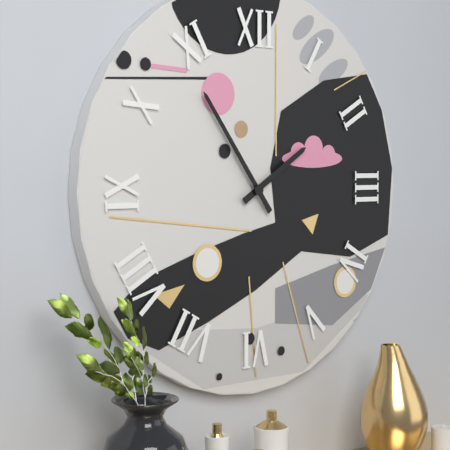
1,54
